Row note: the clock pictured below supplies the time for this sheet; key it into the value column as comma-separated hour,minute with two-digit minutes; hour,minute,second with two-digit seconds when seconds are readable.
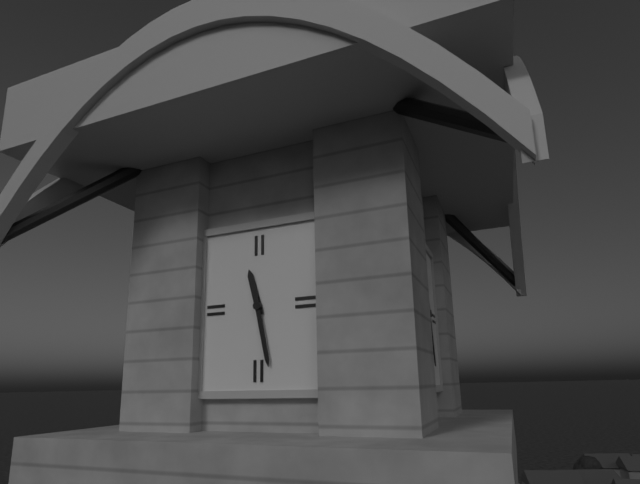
11,28
